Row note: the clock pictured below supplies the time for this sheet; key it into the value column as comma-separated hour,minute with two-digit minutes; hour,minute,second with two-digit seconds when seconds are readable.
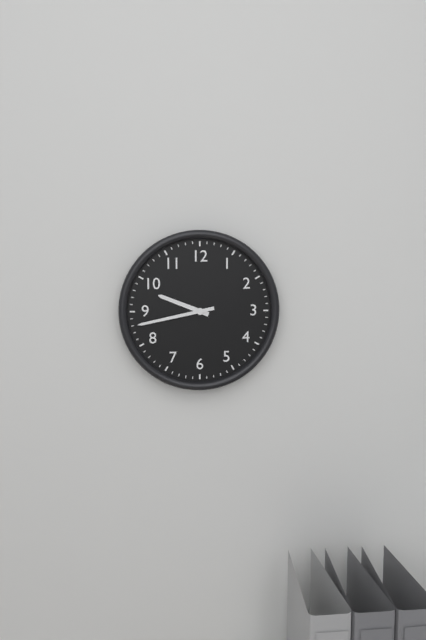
9,43
